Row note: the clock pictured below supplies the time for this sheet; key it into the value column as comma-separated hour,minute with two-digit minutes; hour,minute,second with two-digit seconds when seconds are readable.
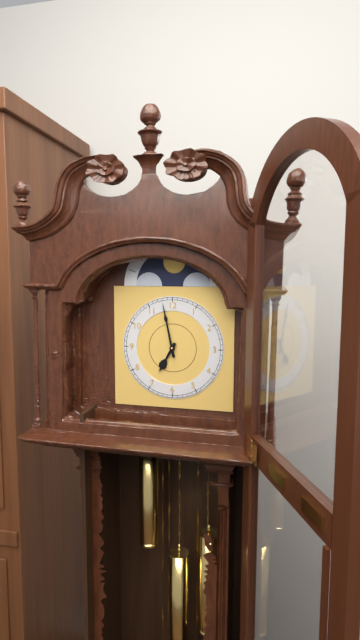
6,58
